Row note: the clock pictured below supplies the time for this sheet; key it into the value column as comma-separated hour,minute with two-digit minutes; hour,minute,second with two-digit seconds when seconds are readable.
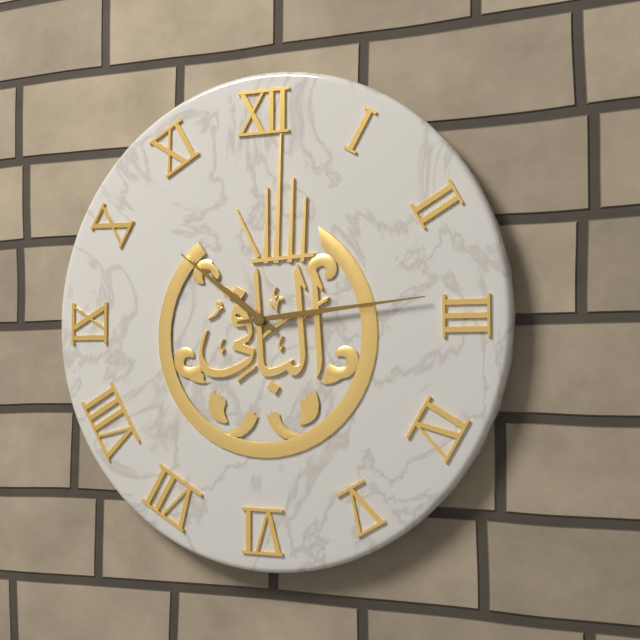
10,14
